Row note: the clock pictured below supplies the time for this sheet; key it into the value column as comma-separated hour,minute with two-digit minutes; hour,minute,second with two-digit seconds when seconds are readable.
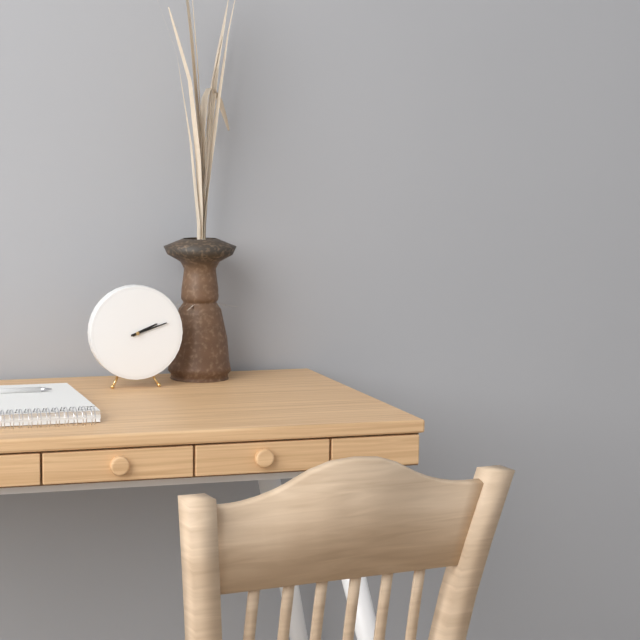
2,12
